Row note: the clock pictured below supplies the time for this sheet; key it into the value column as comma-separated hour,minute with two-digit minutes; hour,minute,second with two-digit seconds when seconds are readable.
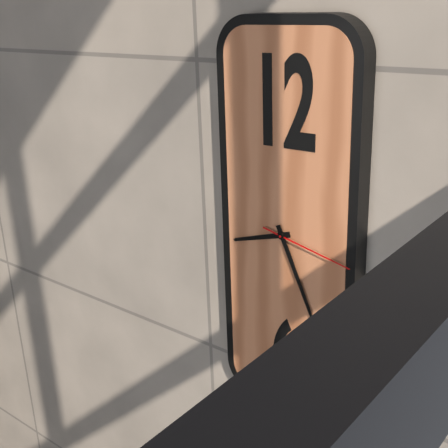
8,26,17
